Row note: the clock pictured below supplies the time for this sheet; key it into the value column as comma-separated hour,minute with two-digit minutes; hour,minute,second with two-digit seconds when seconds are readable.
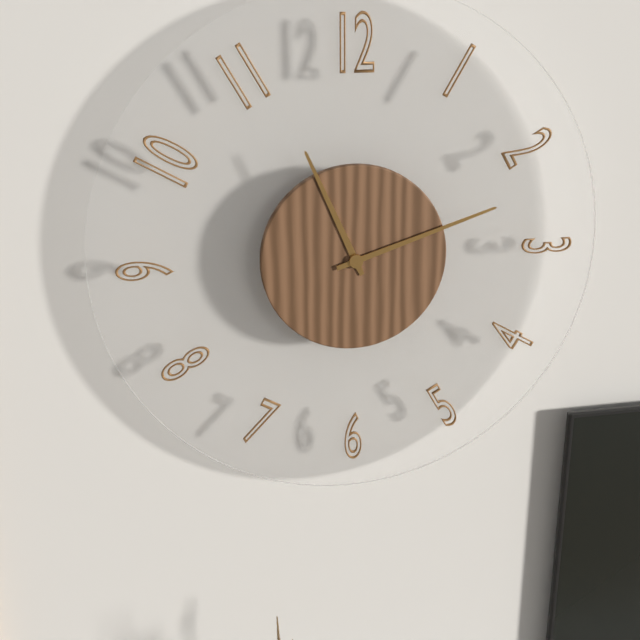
11,12
